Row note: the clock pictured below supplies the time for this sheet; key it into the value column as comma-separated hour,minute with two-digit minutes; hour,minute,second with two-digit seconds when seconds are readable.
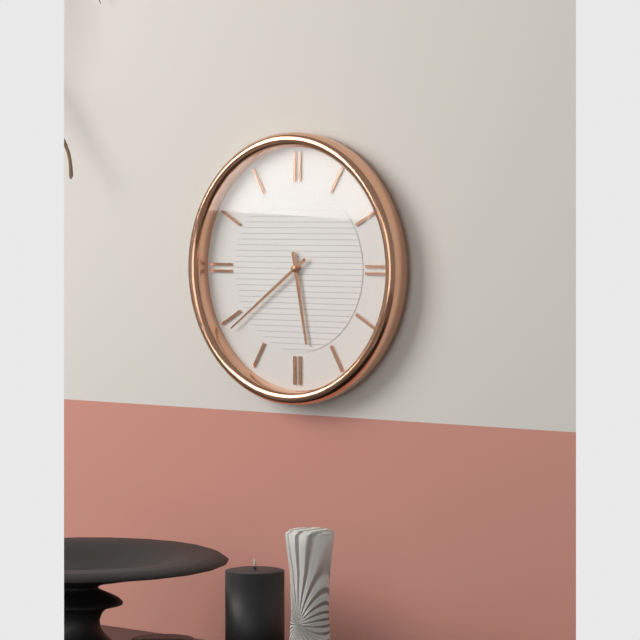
5,39
